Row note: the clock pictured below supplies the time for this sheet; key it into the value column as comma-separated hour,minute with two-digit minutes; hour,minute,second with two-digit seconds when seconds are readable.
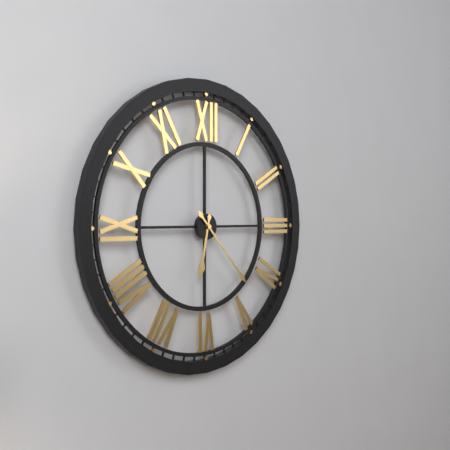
6,23
